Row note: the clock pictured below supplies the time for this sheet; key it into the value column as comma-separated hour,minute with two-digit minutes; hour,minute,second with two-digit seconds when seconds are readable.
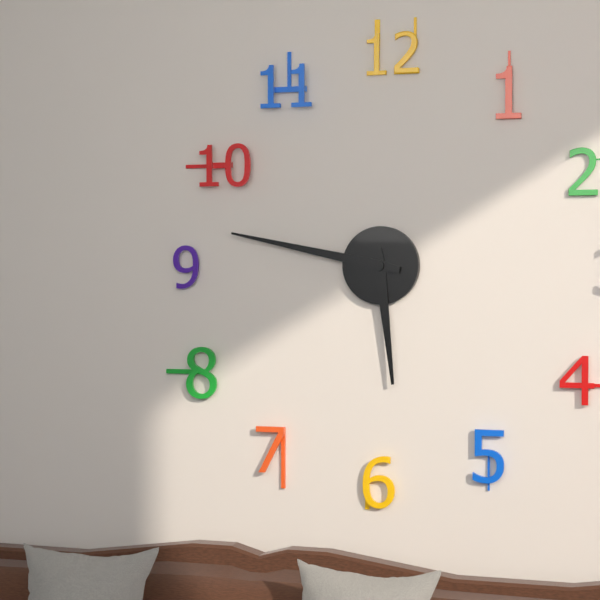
5,47
